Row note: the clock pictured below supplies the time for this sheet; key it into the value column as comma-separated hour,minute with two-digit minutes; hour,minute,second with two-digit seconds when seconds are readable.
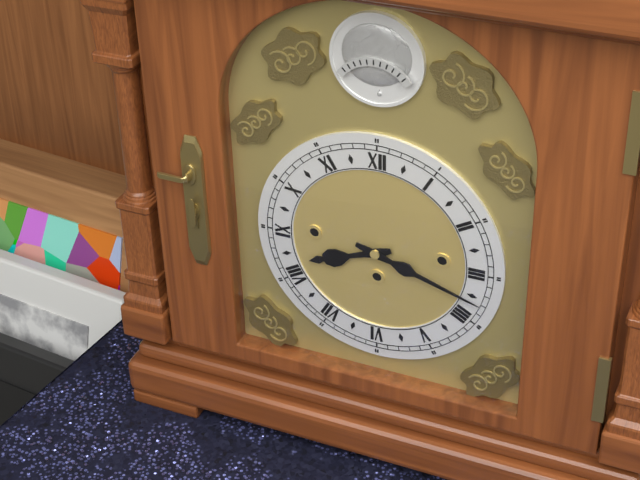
8,18
